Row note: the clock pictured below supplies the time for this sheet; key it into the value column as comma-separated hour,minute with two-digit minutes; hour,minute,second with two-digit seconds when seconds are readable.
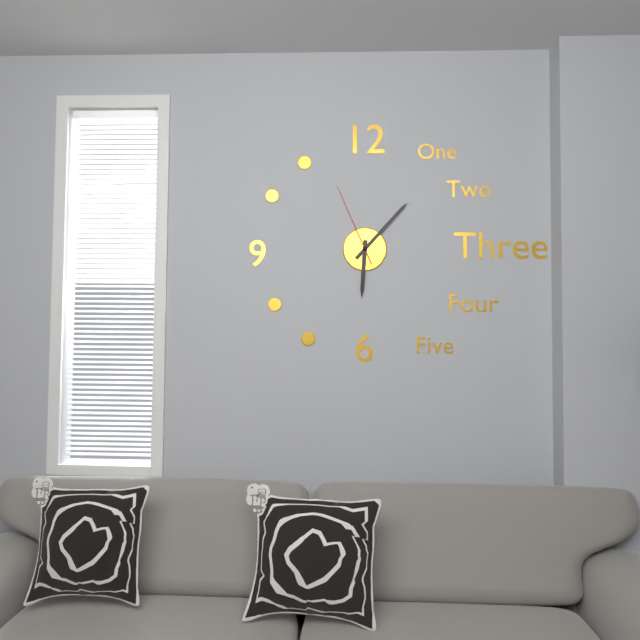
6,07,56
